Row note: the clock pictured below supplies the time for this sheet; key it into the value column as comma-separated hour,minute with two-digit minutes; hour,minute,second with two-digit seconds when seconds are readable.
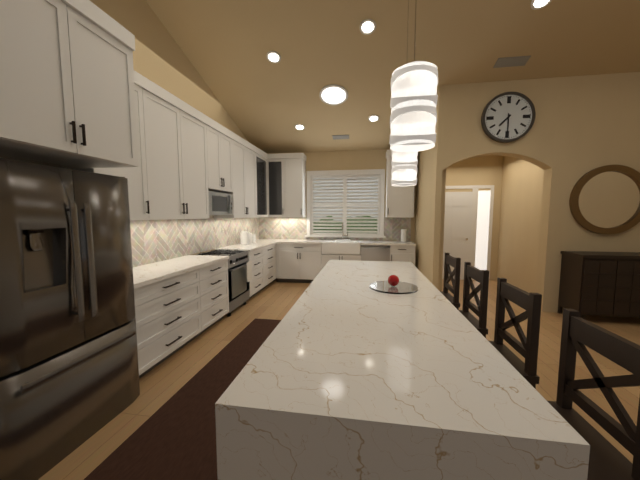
7,30
